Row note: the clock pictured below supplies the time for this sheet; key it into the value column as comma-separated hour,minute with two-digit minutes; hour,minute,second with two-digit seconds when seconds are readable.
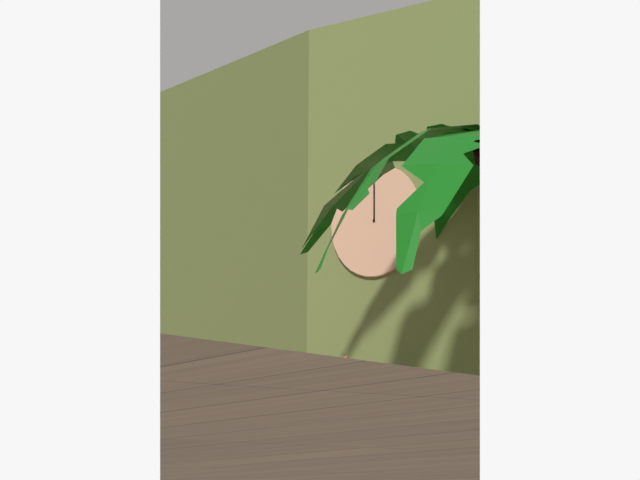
12,00
